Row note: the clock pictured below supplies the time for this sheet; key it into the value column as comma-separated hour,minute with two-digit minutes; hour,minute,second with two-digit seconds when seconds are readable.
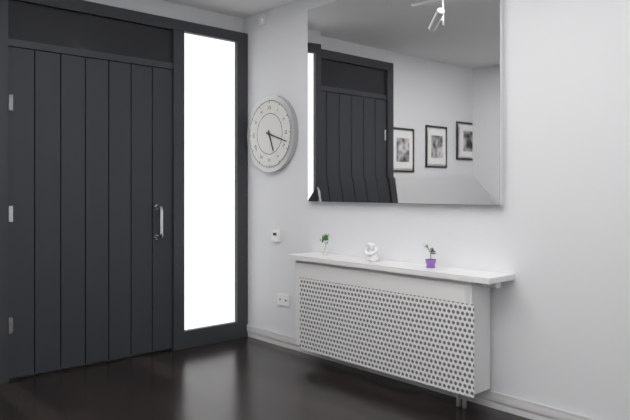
5,18
